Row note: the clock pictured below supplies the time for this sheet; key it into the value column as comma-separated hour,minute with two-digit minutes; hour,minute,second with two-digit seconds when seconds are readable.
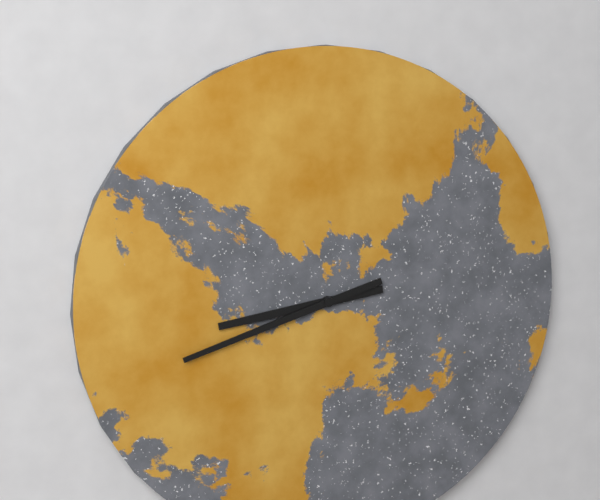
8,42
